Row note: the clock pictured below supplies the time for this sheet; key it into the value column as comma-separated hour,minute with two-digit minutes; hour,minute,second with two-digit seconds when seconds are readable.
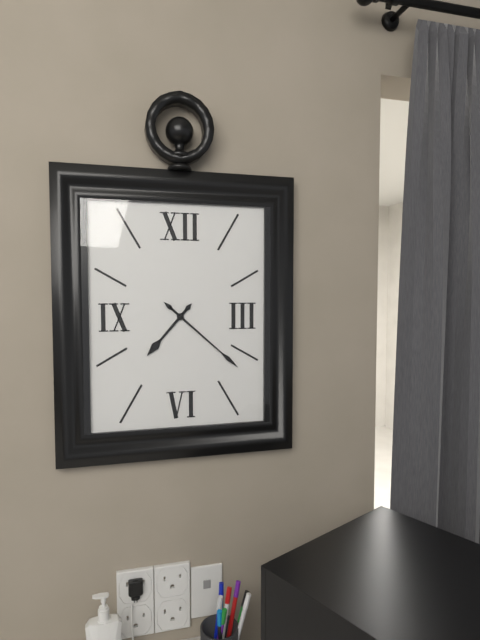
7,22
